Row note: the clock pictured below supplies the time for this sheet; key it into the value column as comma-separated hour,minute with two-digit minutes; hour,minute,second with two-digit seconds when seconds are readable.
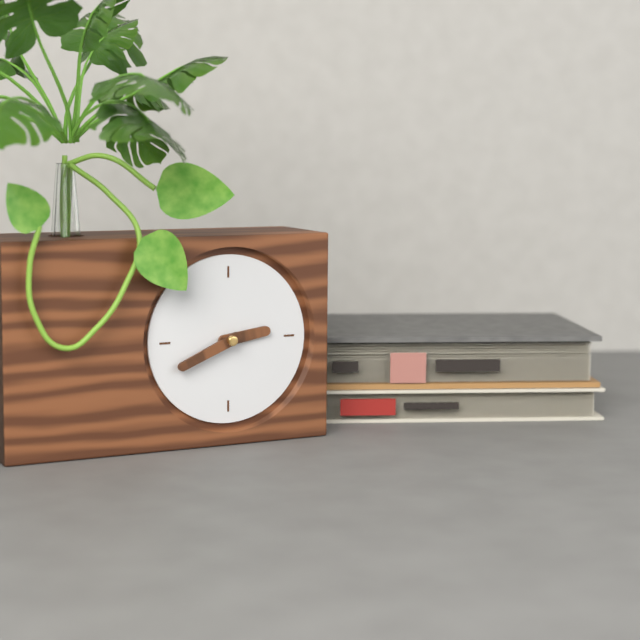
2,41
